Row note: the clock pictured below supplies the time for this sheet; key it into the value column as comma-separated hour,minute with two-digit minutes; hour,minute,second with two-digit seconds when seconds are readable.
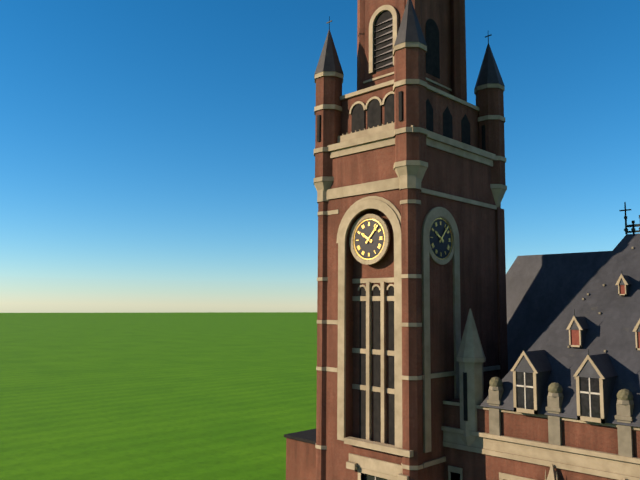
10,07
